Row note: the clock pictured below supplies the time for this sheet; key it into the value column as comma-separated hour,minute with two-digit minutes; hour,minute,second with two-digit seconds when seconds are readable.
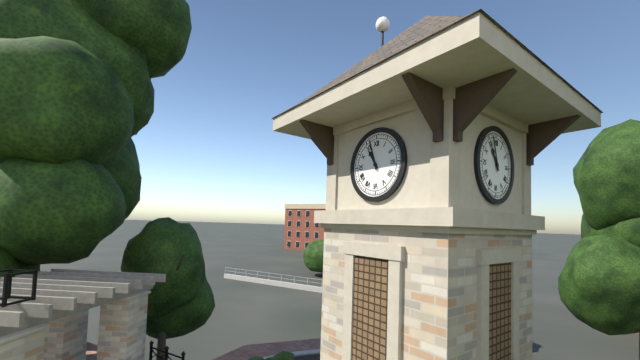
10,57
